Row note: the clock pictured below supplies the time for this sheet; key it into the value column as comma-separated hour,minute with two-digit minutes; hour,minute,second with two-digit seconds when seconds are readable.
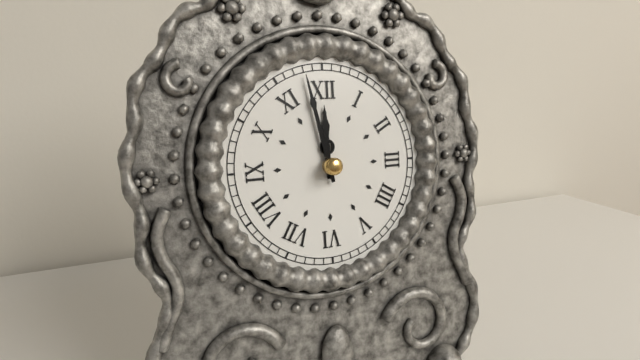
11,58
